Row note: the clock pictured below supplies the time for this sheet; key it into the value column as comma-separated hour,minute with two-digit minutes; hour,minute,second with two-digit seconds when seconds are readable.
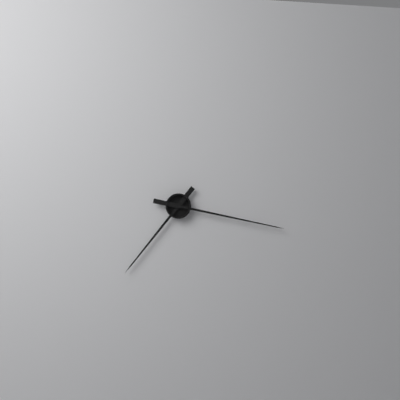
7,17
